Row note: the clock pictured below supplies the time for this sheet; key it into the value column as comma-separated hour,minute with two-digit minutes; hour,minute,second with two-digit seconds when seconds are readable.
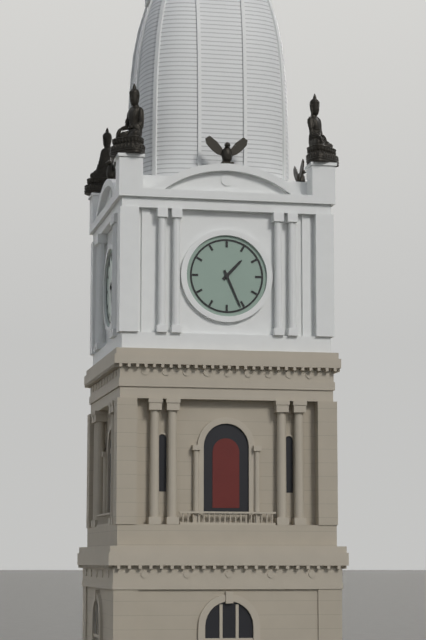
1,26
